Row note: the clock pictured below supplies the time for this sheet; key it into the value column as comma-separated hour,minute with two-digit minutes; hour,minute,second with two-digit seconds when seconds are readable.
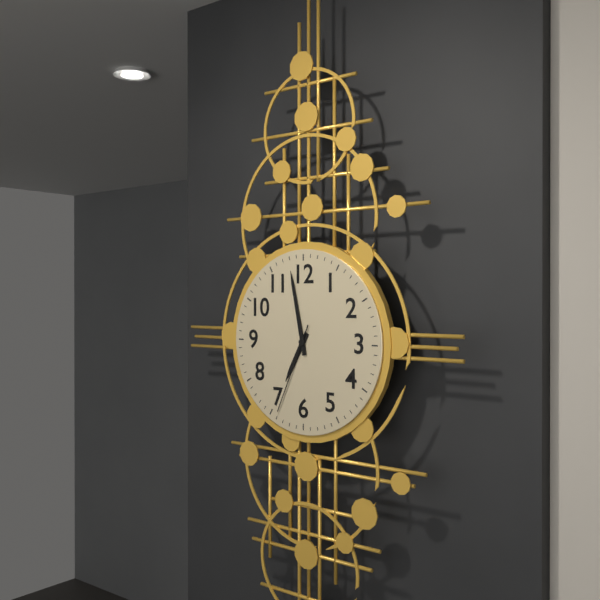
6,58,34
